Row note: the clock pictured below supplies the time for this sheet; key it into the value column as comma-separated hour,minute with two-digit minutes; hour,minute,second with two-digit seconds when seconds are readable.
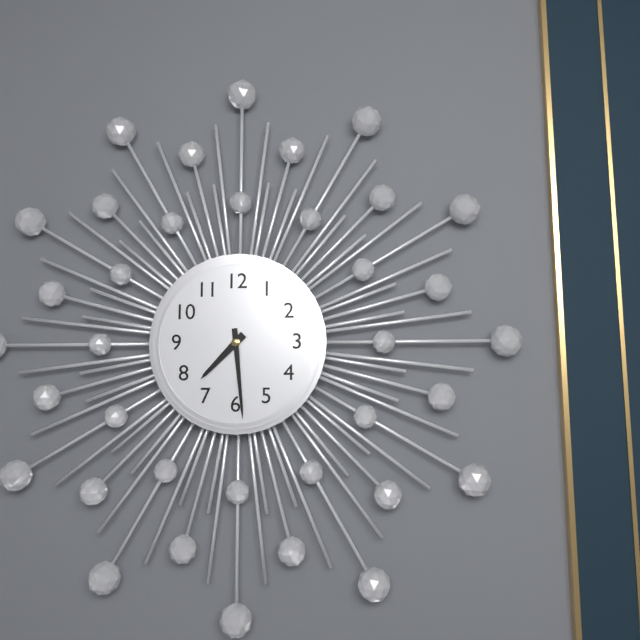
7,29
